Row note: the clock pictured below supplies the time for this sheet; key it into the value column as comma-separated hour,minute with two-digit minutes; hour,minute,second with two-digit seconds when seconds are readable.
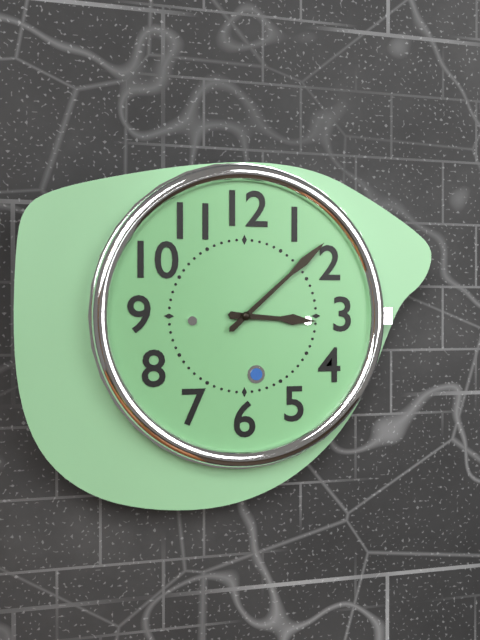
3,08
